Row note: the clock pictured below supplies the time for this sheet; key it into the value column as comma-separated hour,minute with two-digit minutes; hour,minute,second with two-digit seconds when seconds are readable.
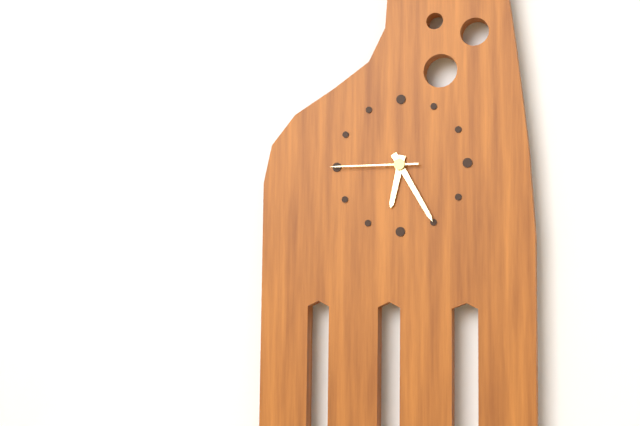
6,25,45
